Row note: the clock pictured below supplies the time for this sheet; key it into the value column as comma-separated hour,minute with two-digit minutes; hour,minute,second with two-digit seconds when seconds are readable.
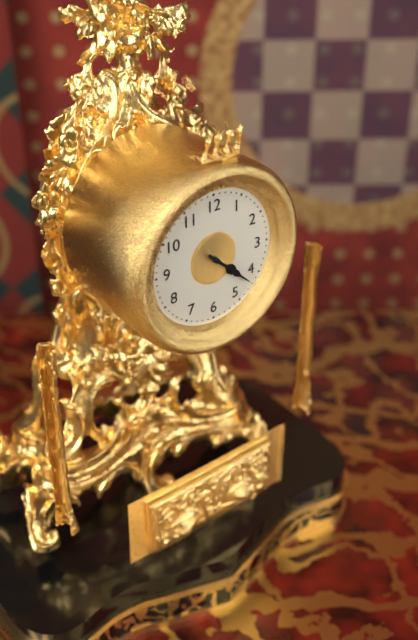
4,22
